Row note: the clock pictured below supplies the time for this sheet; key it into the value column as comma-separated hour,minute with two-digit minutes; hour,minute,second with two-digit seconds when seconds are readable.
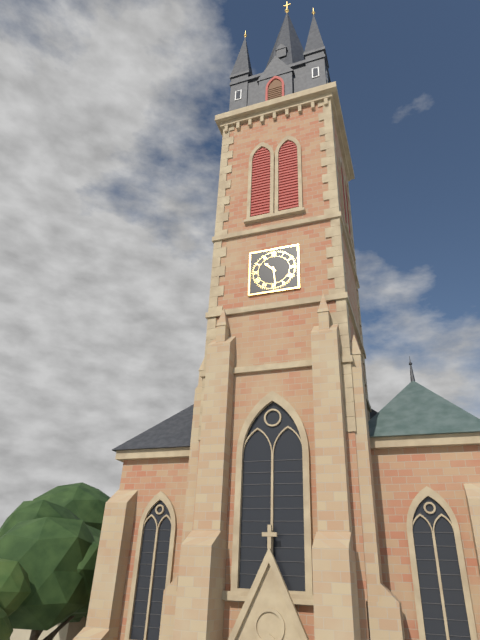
10,29
